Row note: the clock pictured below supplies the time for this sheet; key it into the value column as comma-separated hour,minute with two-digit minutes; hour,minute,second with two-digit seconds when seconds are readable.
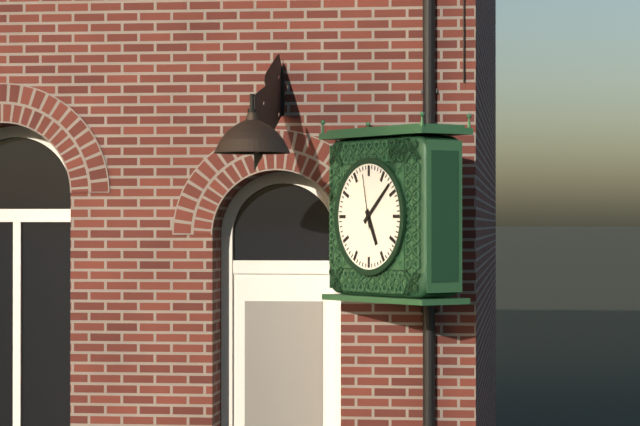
5,08,58
